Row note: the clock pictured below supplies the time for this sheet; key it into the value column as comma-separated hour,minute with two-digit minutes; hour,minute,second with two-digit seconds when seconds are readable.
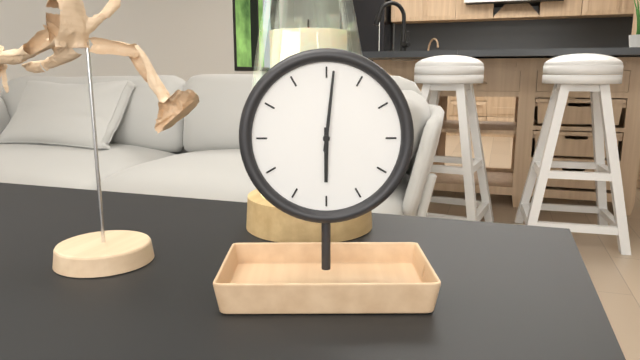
6,01
